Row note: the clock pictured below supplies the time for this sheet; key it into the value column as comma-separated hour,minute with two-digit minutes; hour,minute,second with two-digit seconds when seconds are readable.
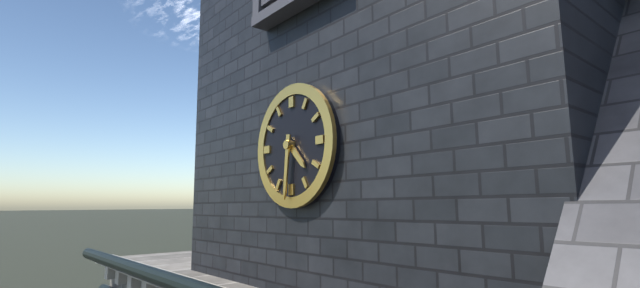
4,31
